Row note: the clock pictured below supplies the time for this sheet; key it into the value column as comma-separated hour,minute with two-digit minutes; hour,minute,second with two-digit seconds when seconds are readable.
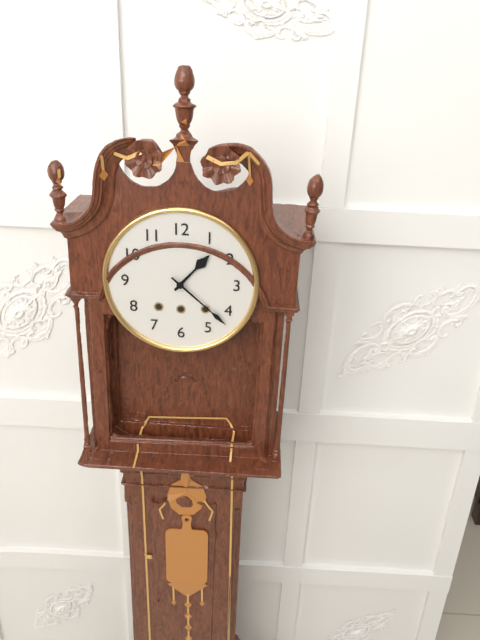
1,22
